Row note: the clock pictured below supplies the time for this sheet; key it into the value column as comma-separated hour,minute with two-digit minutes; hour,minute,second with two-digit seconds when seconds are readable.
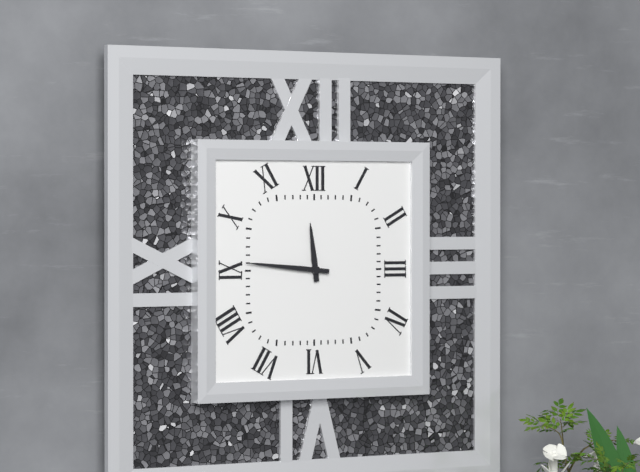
11,46
